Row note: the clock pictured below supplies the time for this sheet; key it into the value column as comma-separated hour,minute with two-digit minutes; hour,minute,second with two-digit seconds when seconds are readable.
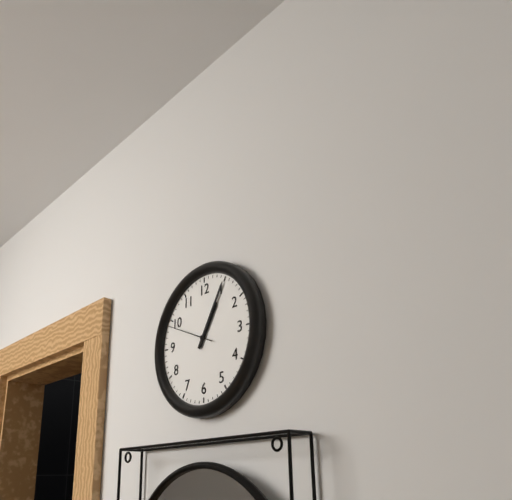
1,05,49
